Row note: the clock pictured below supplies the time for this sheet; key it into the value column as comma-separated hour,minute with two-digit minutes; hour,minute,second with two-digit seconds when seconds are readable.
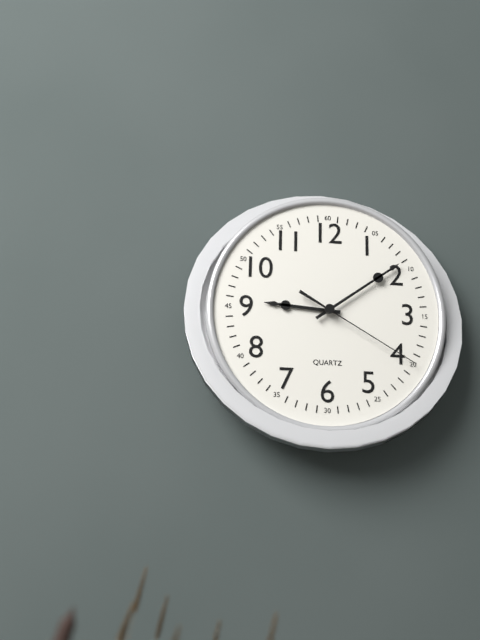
9,09,20
